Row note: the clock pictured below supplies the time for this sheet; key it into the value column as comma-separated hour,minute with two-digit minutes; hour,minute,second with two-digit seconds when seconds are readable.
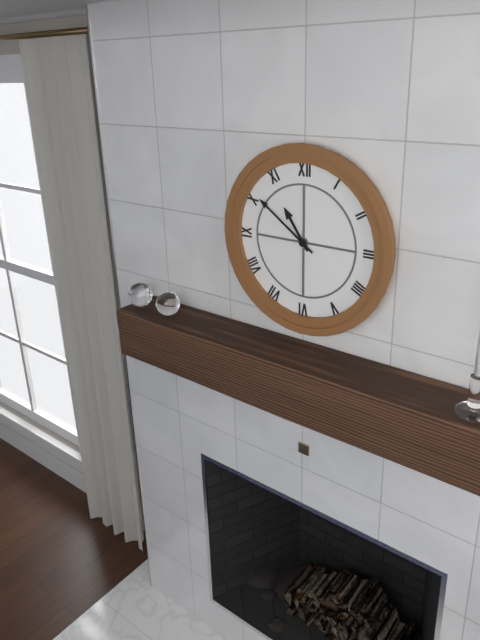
10,51
